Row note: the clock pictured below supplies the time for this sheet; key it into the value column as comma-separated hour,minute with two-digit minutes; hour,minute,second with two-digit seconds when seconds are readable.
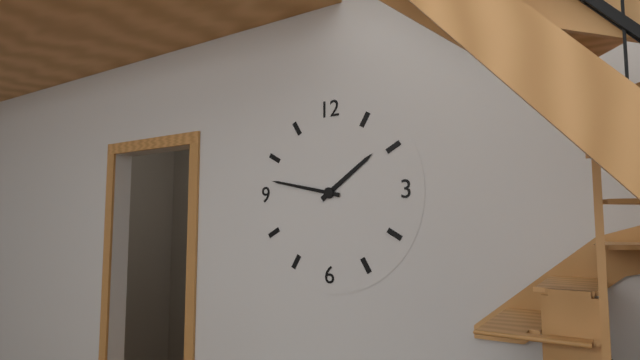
1,47
